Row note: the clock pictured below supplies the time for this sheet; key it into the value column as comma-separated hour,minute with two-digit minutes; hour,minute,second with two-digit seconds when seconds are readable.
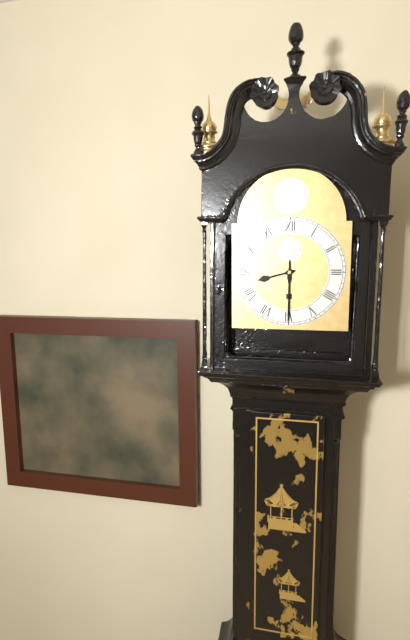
8,30
